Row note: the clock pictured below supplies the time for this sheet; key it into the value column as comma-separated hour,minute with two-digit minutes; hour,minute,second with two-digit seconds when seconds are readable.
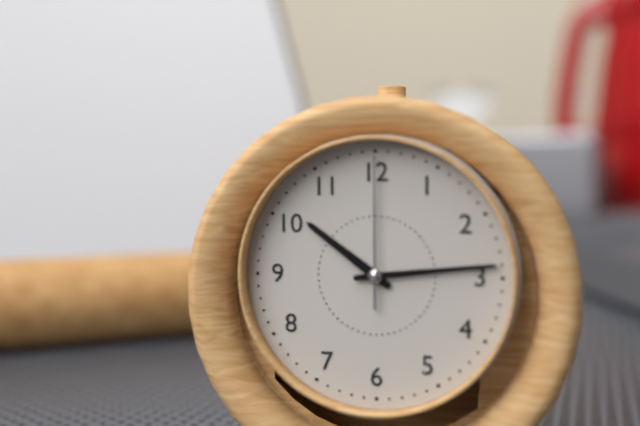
10,14,00
